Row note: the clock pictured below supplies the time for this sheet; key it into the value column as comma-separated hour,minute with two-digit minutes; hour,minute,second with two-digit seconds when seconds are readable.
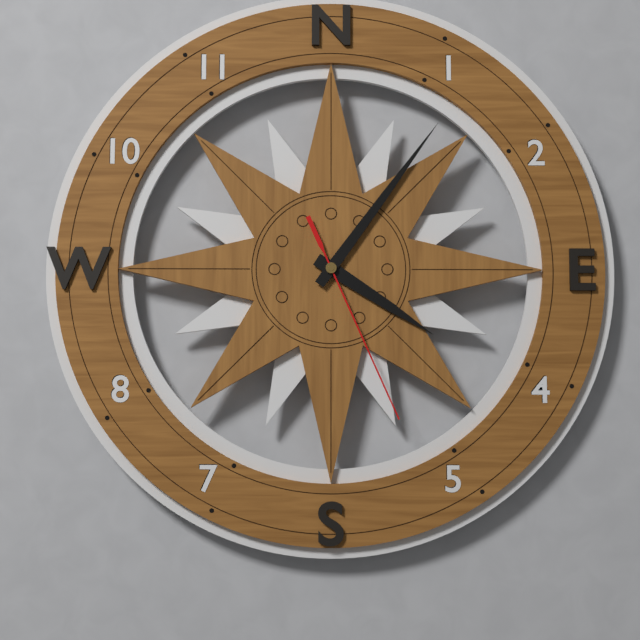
4,06,26
